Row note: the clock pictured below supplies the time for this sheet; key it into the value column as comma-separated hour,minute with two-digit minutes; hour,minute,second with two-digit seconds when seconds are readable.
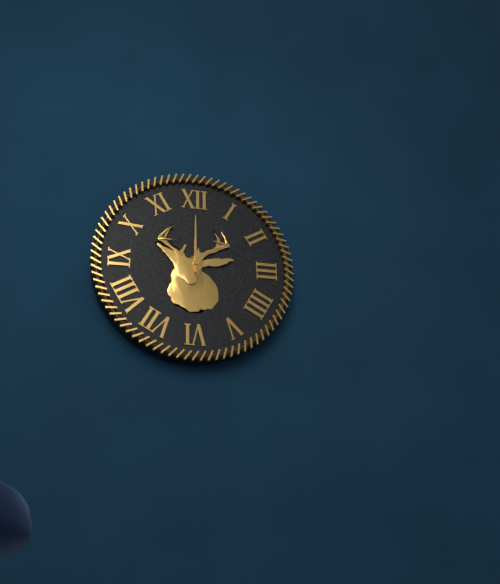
12,00
